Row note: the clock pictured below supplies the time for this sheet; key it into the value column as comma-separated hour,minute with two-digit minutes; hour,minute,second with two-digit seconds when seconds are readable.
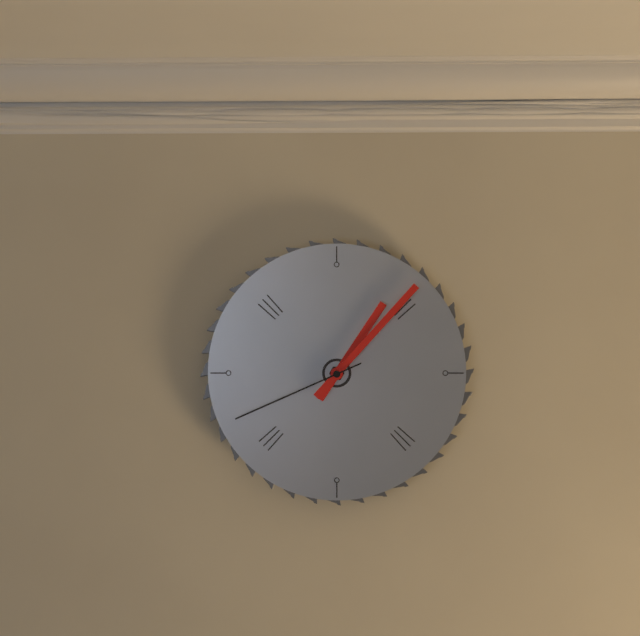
1,07,41
